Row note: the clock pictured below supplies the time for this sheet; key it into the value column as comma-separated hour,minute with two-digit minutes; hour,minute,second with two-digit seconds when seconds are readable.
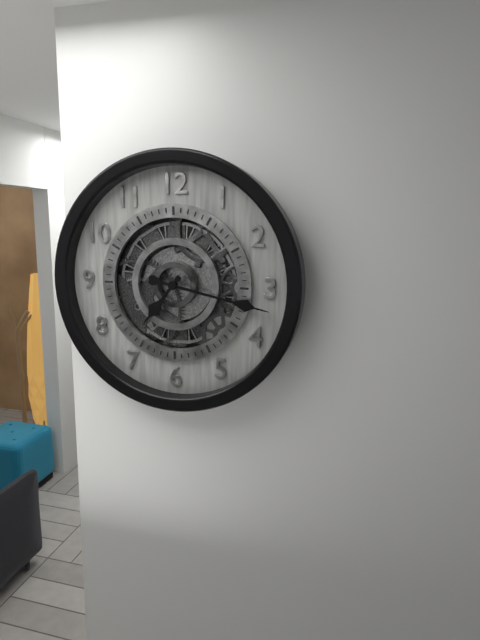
7,17
